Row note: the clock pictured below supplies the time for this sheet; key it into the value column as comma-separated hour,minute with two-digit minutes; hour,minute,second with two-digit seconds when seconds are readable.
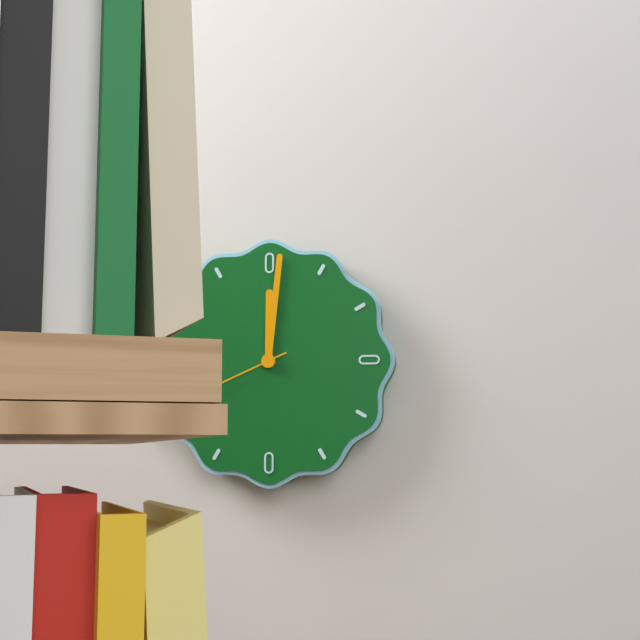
12,01
